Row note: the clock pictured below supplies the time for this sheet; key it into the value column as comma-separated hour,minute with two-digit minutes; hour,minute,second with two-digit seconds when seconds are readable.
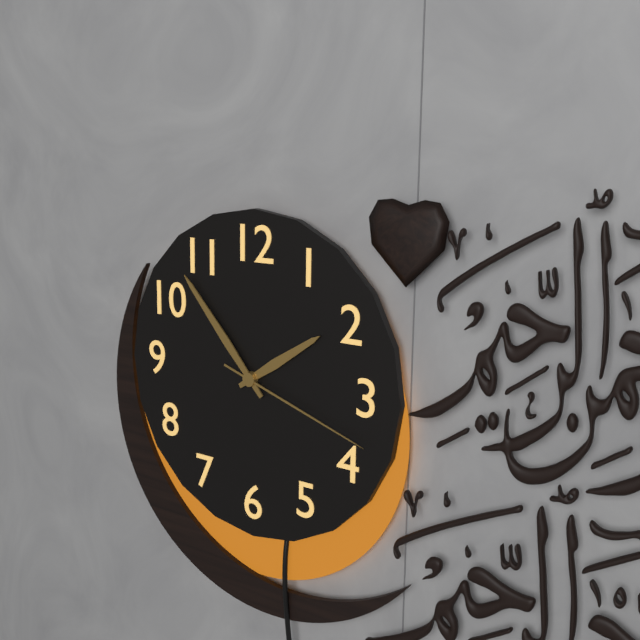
1,53,18
